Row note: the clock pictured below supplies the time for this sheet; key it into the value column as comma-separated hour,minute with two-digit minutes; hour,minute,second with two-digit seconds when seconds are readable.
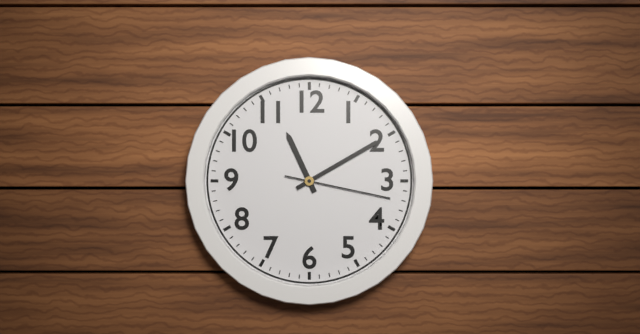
11,10,17
